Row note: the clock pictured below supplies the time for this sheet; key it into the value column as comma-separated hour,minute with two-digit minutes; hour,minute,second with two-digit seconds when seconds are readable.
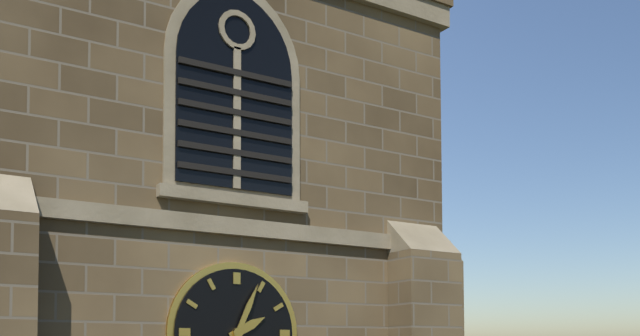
2,04
